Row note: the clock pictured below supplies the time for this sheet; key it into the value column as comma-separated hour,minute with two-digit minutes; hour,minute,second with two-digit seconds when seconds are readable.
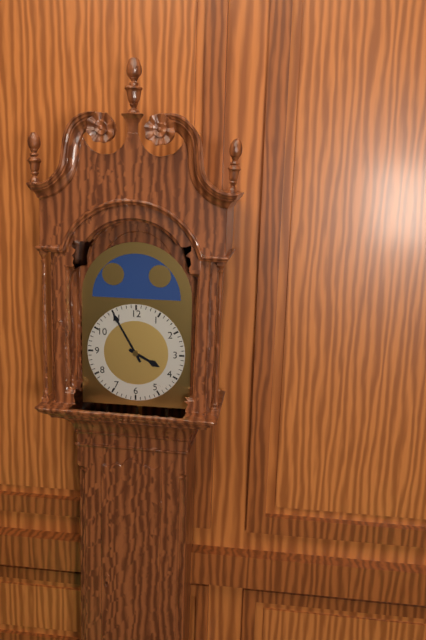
3,55
